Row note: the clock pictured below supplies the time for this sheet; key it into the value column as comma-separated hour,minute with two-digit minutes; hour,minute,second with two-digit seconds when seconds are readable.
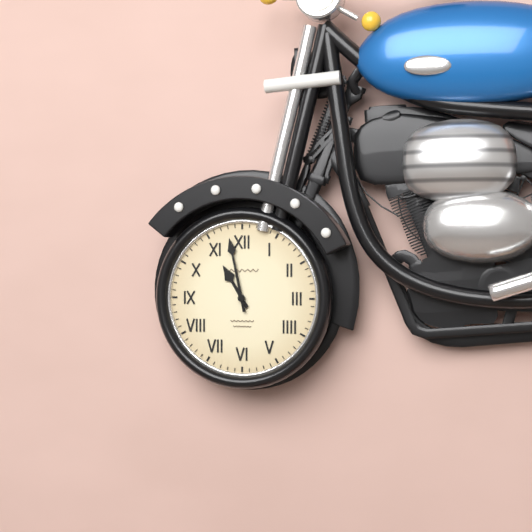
10,58
